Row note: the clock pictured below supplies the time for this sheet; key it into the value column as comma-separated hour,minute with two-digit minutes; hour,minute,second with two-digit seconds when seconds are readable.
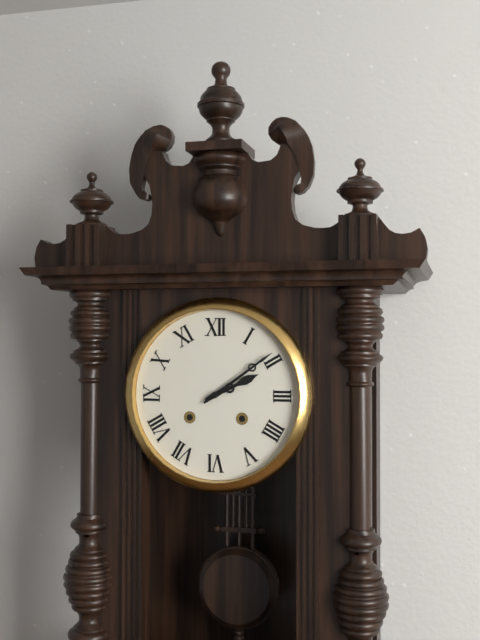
2,09
